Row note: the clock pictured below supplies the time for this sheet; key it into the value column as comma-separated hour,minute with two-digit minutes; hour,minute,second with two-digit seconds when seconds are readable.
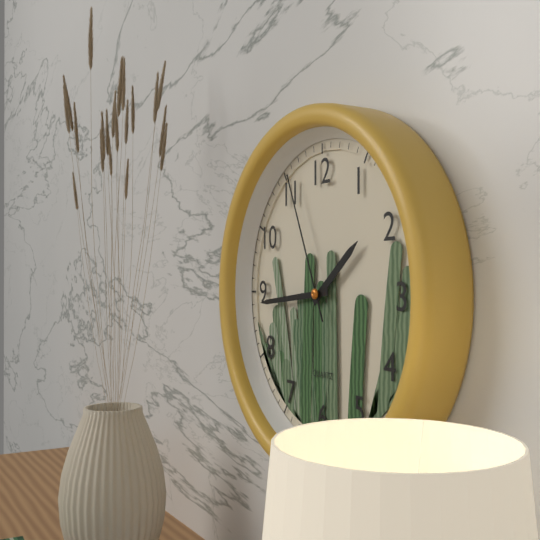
1,44,56
